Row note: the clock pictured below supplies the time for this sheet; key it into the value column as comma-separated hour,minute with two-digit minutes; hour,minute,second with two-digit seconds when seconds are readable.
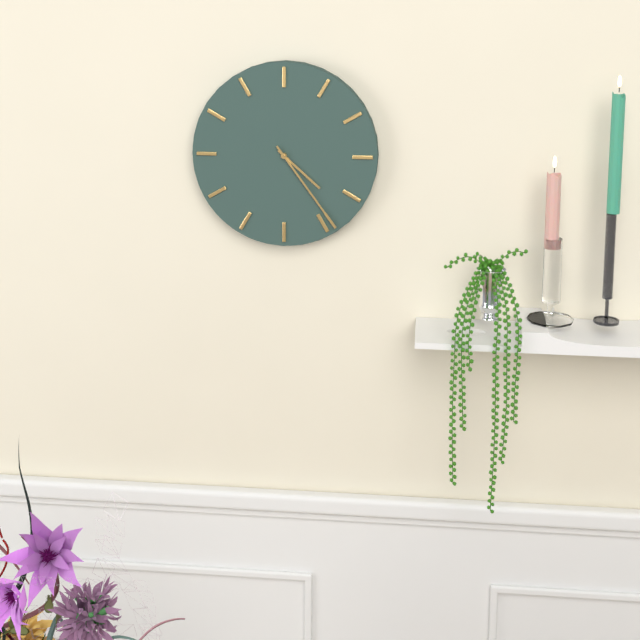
4,24
